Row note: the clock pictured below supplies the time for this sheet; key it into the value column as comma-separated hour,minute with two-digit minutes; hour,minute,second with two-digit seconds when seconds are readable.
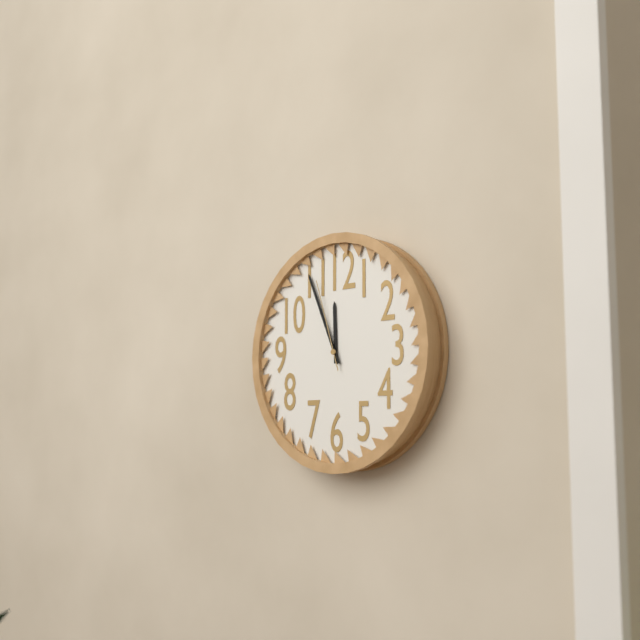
11,56,57
